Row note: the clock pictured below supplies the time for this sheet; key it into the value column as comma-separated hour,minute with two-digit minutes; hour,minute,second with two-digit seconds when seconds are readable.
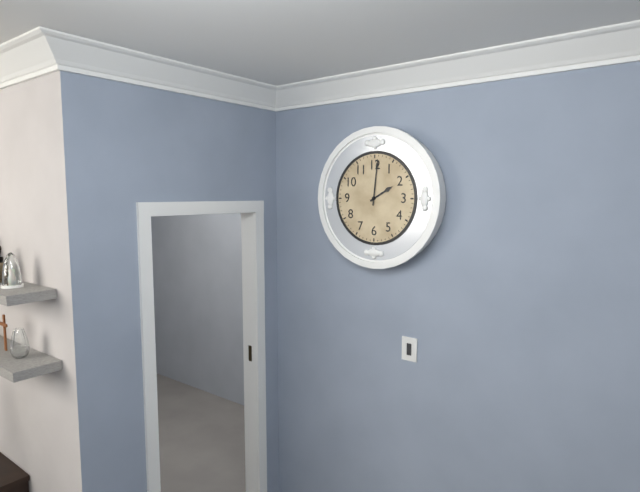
2,01
